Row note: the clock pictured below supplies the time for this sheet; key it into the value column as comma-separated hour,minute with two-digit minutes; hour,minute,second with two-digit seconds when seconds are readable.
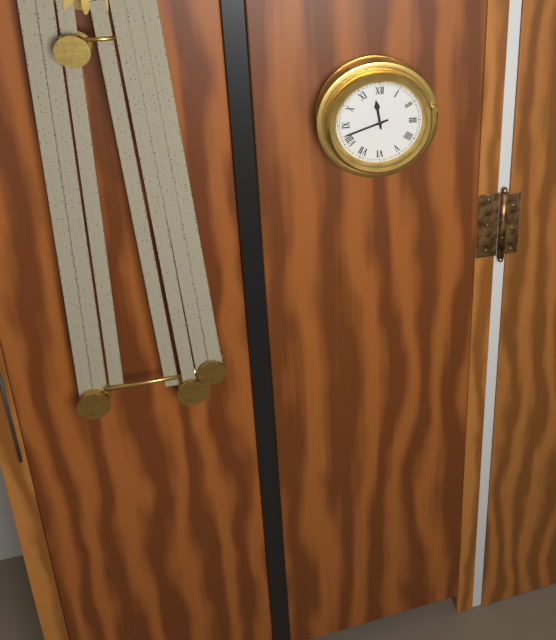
11,42
